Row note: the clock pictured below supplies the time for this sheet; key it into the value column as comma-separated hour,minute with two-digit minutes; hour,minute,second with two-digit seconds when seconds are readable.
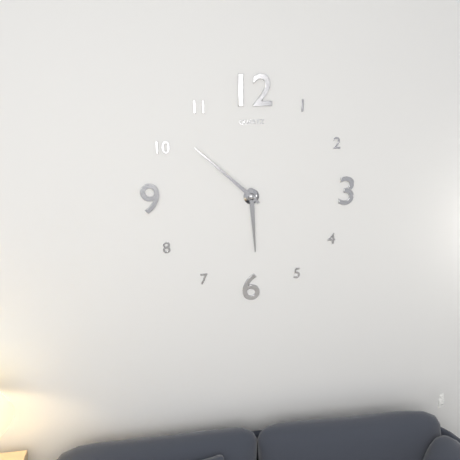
5,52
